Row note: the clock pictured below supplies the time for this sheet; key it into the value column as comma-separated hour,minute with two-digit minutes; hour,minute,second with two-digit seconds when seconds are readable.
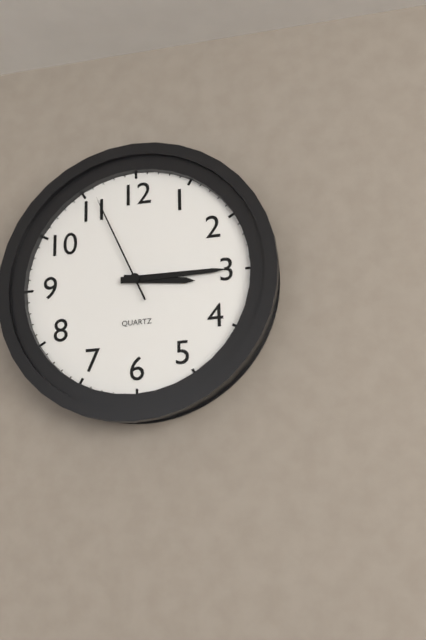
3,15,56
